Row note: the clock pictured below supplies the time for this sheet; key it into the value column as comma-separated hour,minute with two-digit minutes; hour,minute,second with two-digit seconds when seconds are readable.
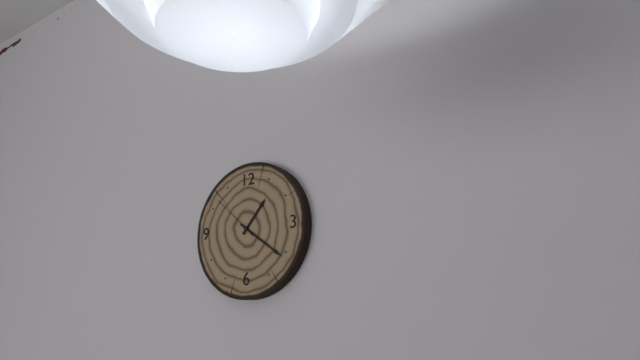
1,21
